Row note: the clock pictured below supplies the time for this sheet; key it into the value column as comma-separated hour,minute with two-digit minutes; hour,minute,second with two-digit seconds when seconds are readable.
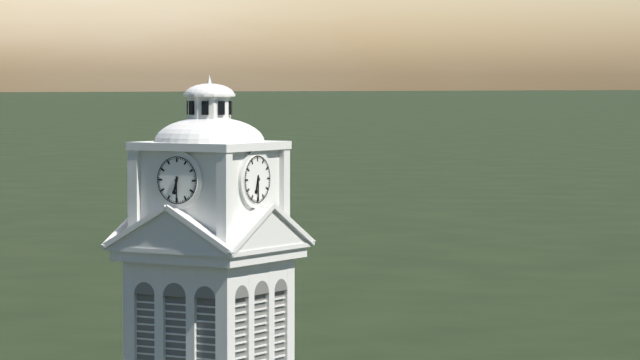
6,30
